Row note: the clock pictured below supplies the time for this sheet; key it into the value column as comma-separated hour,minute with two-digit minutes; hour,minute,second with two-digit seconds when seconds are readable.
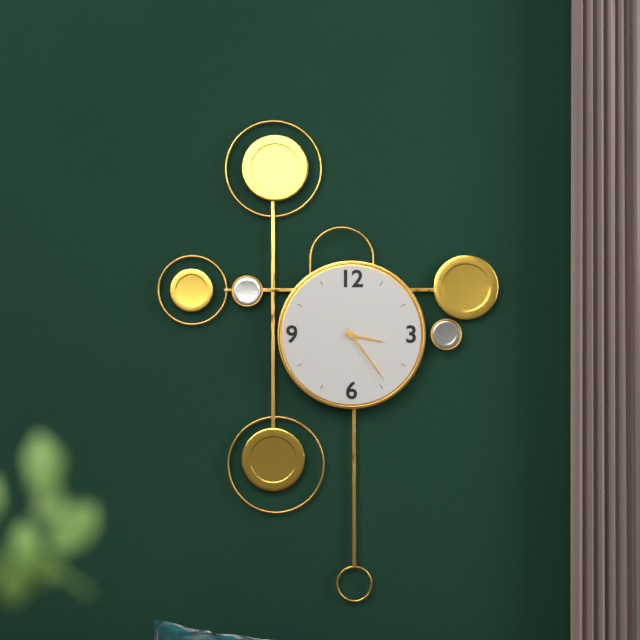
3,24
